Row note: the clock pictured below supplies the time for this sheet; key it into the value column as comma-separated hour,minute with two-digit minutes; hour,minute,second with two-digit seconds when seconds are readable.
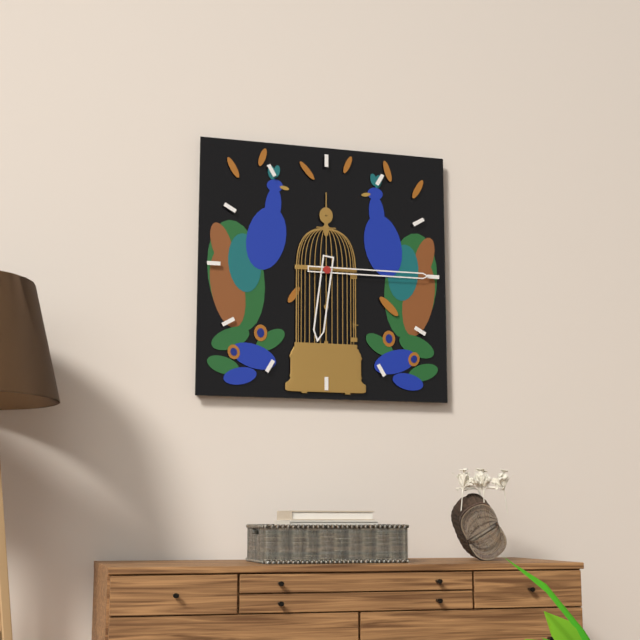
6,15
